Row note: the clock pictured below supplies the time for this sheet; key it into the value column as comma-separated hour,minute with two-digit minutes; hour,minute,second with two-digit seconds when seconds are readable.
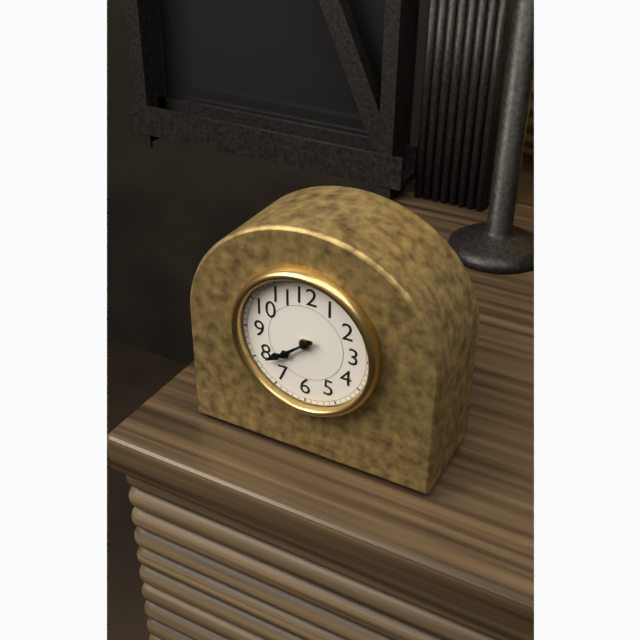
7,39
